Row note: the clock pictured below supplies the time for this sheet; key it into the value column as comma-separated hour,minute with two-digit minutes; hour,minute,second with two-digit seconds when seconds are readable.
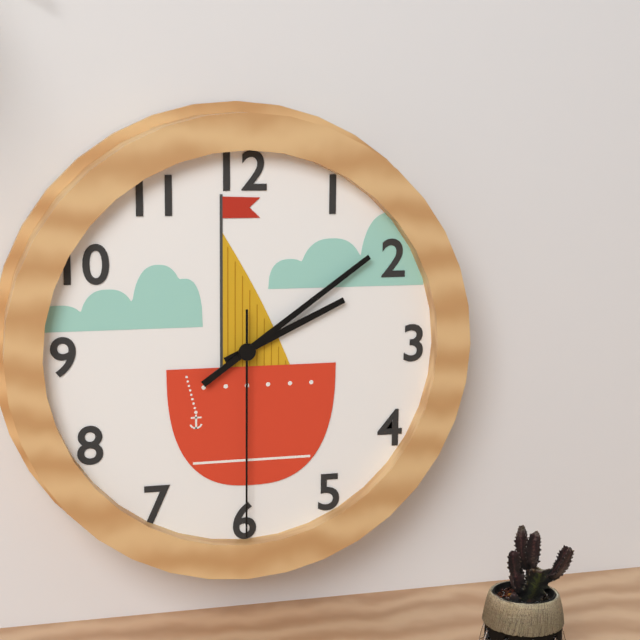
2,09,30
